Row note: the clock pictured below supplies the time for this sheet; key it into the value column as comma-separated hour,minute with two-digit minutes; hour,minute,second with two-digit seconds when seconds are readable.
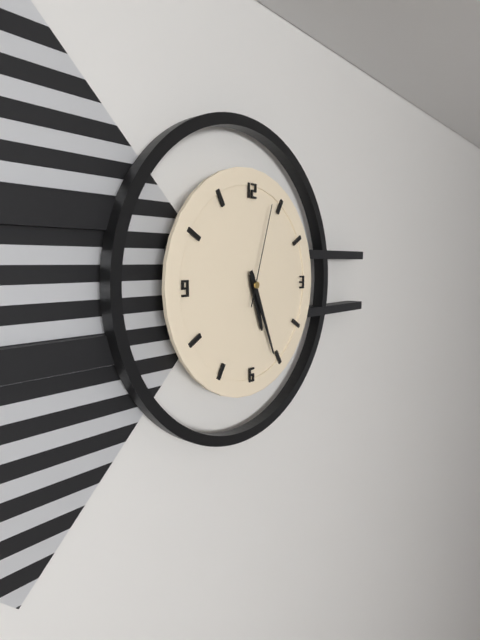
5,26,03
